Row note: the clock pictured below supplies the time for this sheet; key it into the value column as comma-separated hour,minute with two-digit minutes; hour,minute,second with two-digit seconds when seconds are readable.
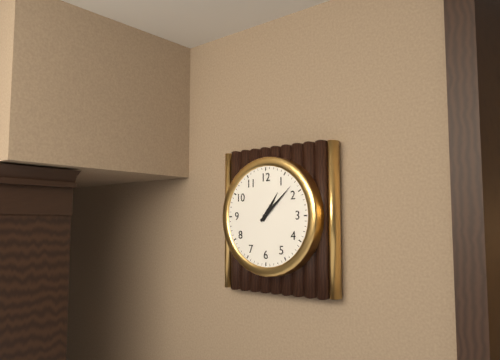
1,08
